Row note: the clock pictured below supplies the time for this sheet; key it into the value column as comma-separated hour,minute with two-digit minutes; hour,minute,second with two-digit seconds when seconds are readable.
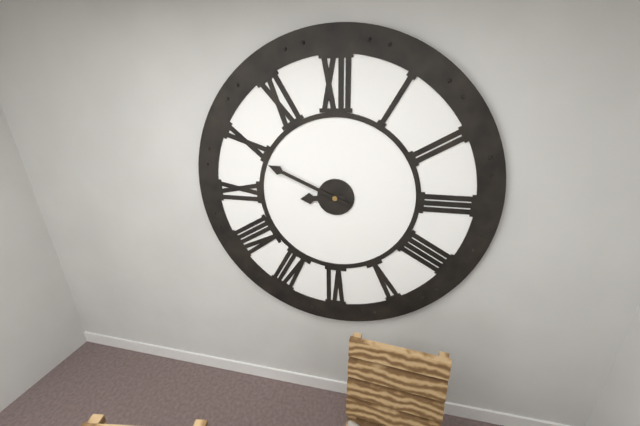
8,49
